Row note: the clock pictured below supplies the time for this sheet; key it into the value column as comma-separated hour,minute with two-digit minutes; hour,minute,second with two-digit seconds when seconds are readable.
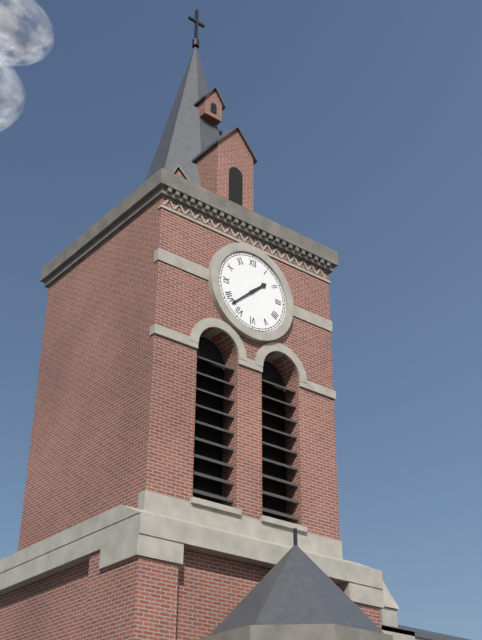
1,38
